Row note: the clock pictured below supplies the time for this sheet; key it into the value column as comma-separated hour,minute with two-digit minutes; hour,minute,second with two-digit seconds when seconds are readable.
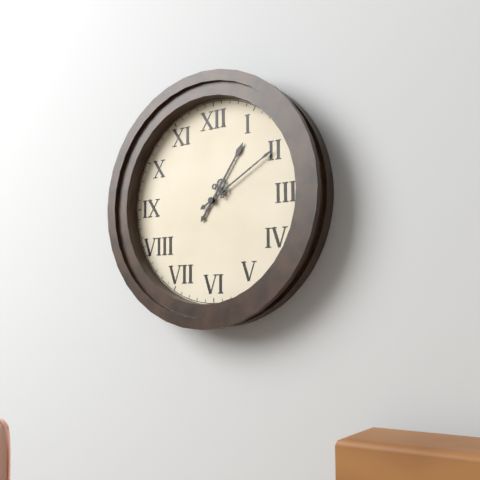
1,10
